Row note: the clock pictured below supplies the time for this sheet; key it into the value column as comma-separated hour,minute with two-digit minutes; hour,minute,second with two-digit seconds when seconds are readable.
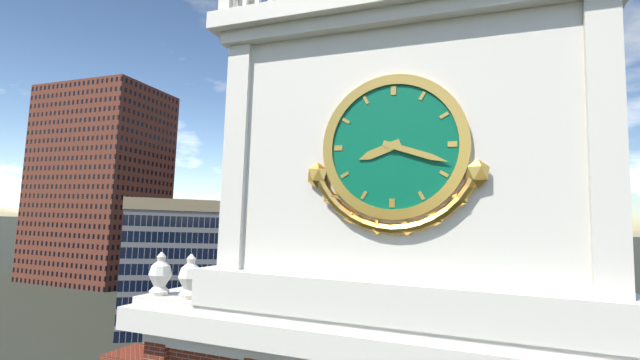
8,18
